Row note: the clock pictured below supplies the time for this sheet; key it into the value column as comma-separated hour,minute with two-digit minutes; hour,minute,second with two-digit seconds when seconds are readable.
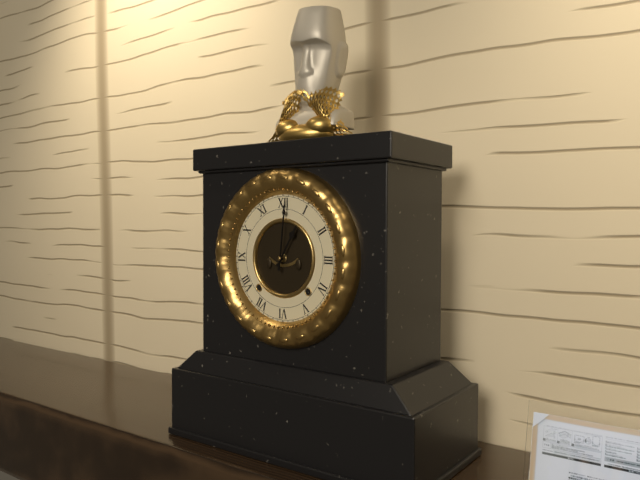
1,01
